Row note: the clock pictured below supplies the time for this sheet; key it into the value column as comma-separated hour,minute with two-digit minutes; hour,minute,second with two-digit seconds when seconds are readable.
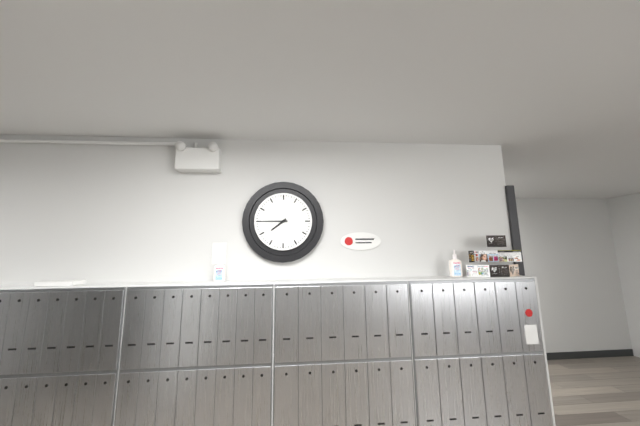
7,45
